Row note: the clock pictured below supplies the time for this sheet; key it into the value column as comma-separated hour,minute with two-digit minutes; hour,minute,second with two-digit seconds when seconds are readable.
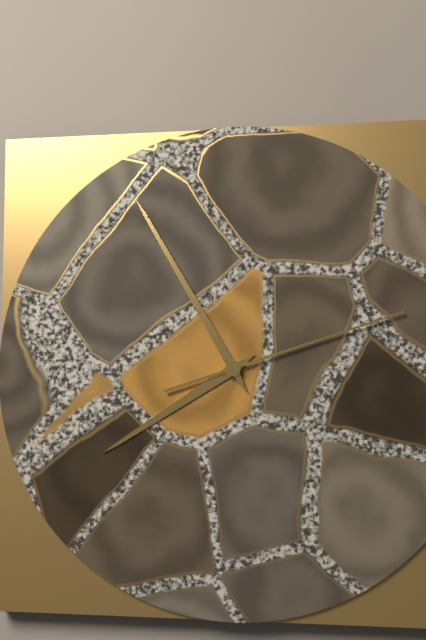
7,55,12
